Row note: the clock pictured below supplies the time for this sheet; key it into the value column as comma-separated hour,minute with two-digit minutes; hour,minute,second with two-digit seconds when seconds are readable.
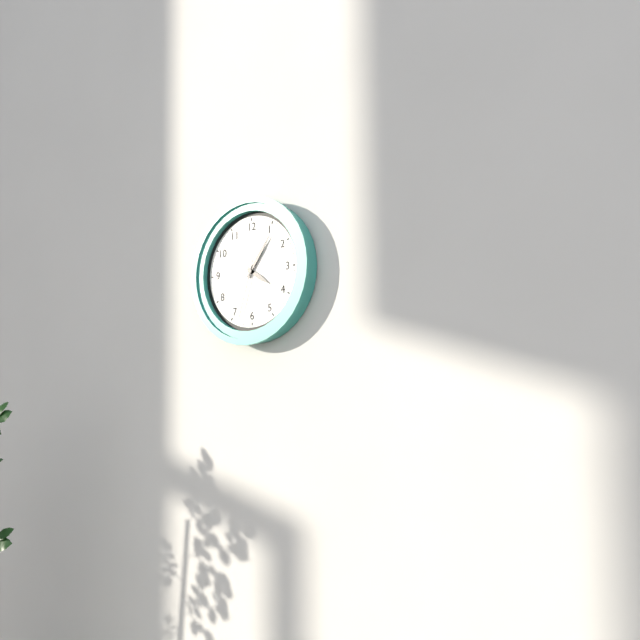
4,06,33
